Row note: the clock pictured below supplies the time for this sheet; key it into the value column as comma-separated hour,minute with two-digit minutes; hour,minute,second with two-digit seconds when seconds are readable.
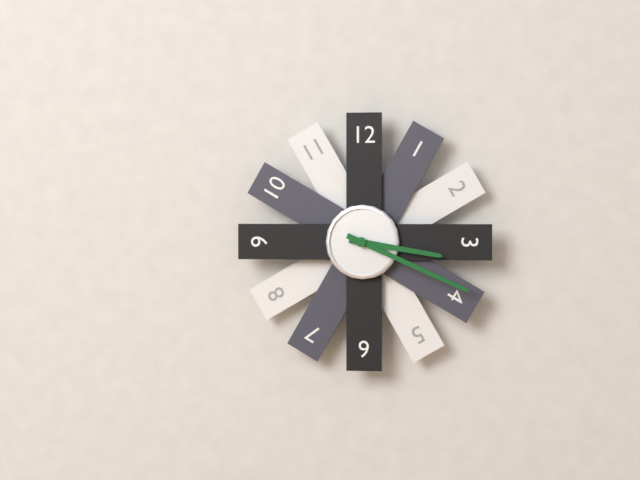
3,19
